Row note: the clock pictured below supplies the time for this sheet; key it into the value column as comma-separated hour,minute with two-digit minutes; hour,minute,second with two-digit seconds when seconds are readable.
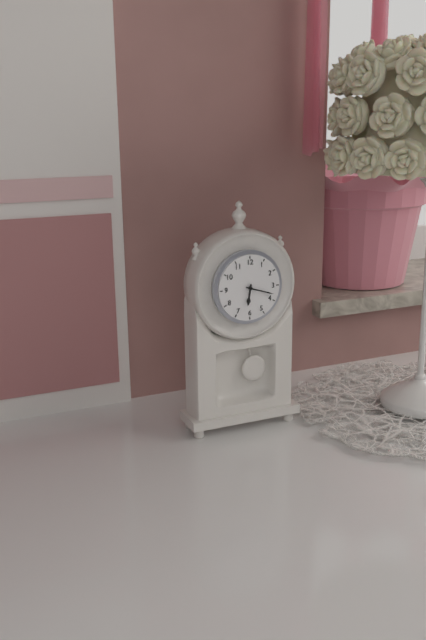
6,18
